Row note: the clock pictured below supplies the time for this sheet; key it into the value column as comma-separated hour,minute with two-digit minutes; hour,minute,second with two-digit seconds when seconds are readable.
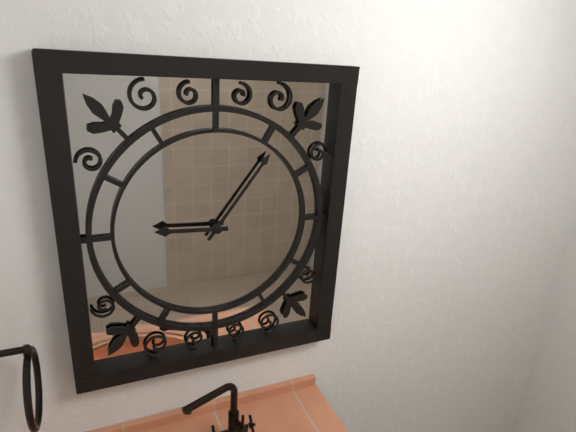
9,06
